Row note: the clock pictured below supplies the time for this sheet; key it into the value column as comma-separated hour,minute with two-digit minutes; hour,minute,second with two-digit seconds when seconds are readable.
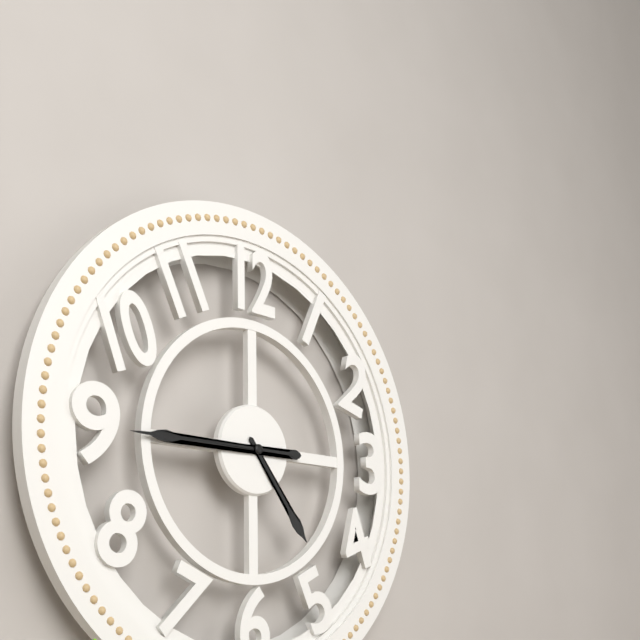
4,45
